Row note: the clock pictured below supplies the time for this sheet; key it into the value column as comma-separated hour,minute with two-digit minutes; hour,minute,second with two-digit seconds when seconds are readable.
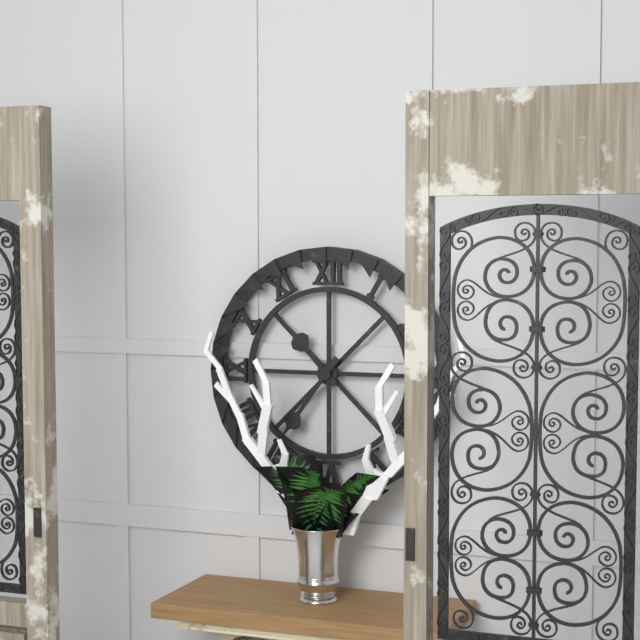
10,36
